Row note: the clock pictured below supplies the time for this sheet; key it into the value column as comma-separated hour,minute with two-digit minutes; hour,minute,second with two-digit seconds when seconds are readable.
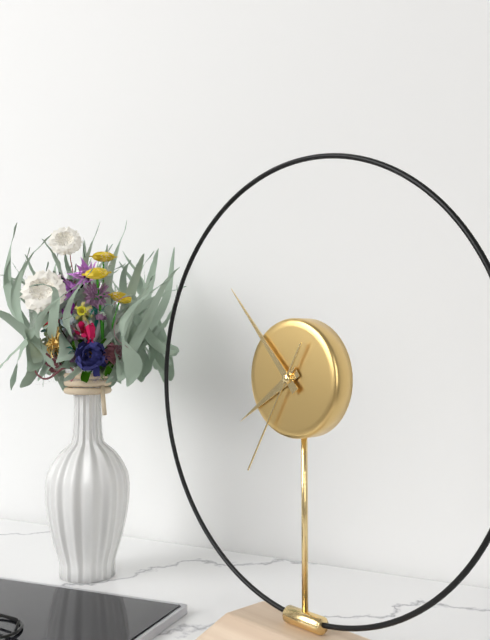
7,53,35
